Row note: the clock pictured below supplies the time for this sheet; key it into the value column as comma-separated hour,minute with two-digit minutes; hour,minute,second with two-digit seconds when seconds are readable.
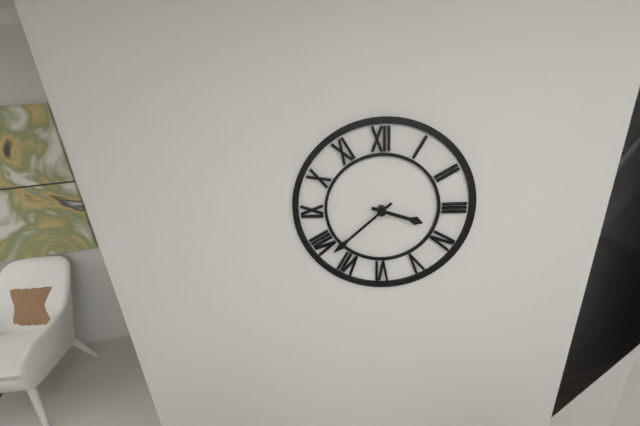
3,38
